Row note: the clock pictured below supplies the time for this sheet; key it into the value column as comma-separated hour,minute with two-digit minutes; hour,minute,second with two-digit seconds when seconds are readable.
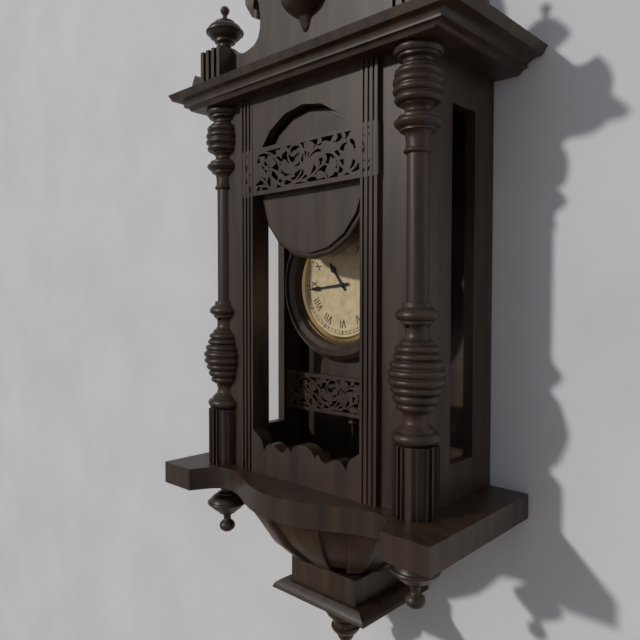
10,44
